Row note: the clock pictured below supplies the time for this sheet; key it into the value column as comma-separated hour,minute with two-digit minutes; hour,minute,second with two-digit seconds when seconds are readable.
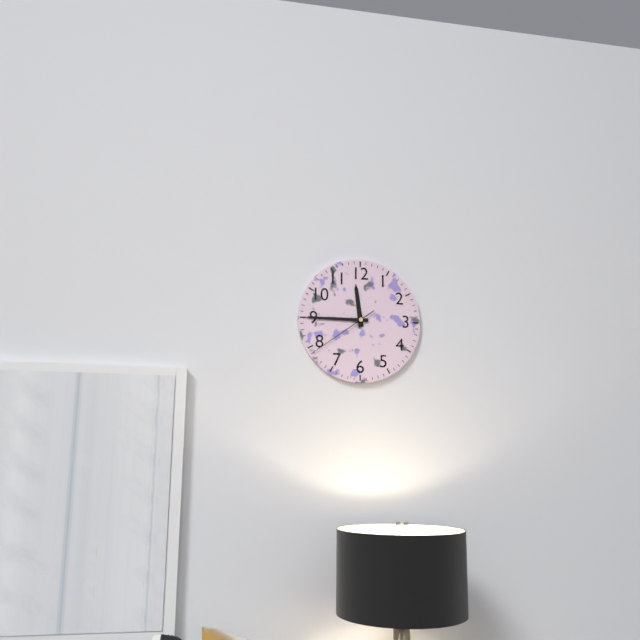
11,45,39
